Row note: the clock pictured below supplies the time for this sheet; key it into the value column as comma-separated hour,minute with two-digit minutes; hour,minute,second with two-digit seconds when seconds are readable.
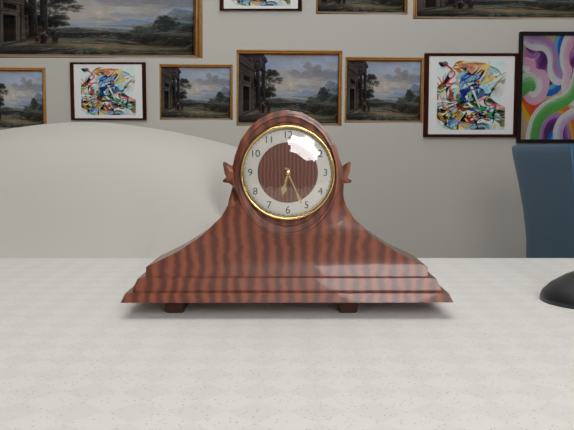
6,26
